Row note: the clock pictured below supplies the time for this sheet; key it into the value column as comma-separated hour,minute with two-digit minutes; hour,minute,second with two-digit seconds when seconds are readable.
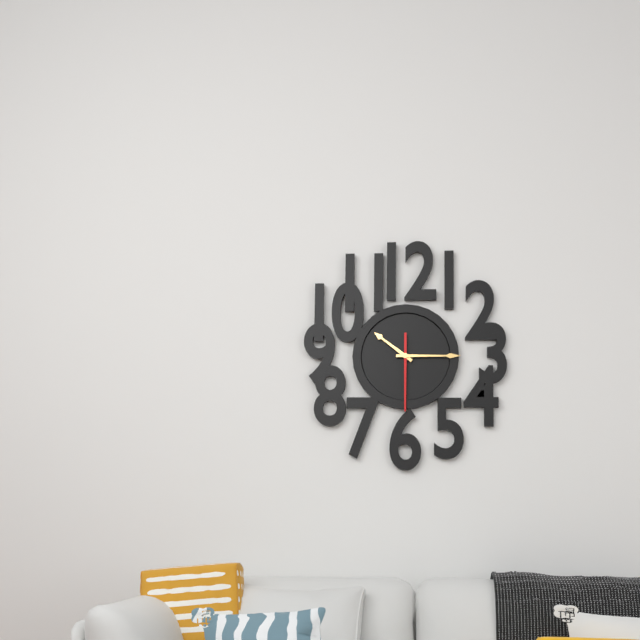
10,15,30
